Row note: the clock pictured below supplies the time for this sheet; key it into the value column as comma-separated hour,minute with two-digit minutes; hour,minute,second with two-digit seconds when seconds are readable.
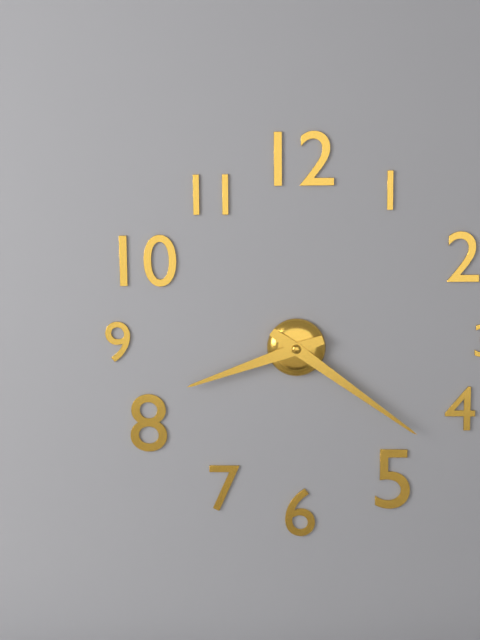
8,21
